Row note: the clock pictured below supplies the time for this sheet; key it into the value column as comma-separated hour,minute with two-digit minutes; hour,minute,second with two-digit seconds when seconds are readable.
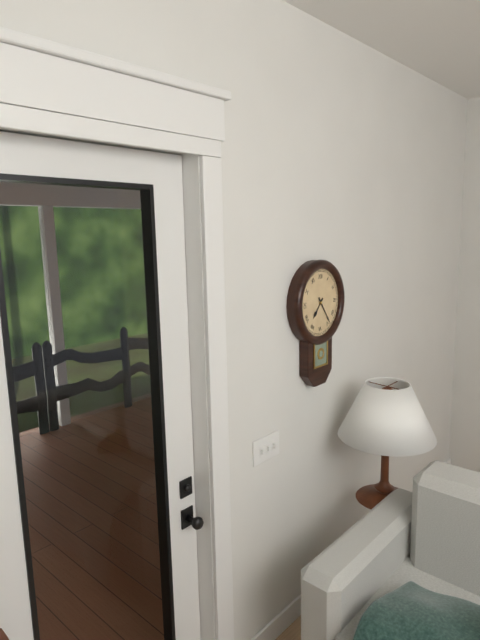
7,24
